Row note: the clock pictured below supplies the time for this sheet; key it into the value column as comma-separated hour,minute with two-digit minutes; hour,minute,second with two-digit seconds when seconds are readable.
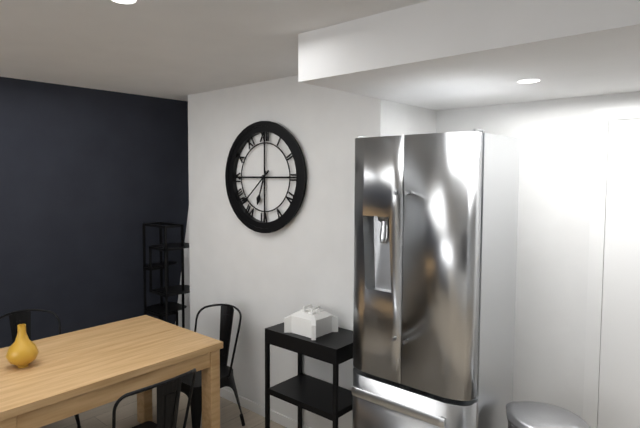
6,38
